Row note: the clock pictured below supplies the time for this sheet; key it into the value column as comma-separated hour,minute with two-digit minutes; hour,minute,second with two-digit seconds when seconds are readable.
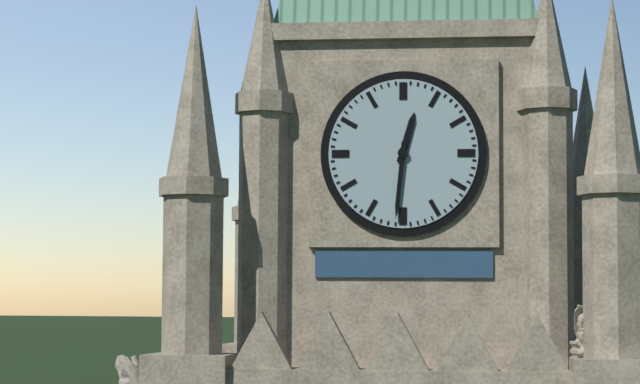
12,31
